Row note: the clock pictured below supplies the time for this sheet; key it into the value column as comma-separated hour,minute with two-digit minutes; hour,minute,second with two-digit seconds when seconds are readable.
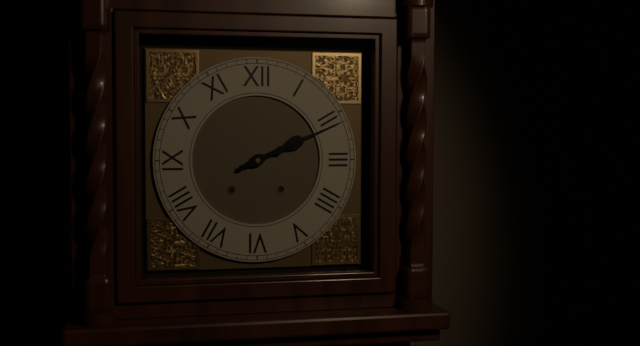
2,11
